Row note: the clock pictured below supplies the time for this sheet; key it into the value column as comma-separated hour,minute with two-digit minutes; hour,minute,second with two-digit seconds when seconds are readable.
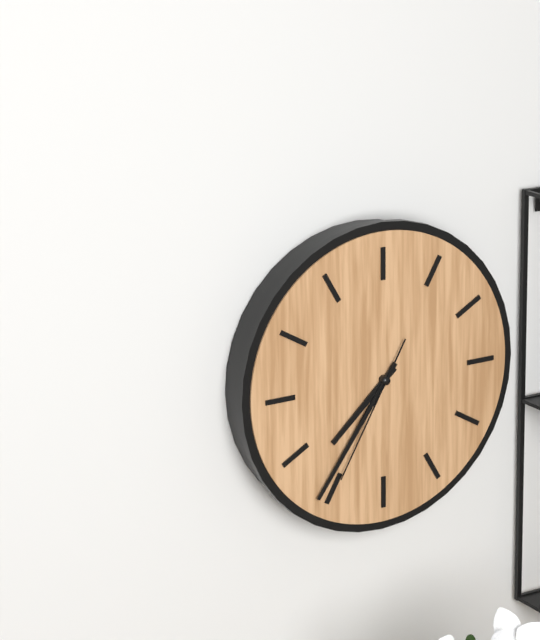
7,36,35
